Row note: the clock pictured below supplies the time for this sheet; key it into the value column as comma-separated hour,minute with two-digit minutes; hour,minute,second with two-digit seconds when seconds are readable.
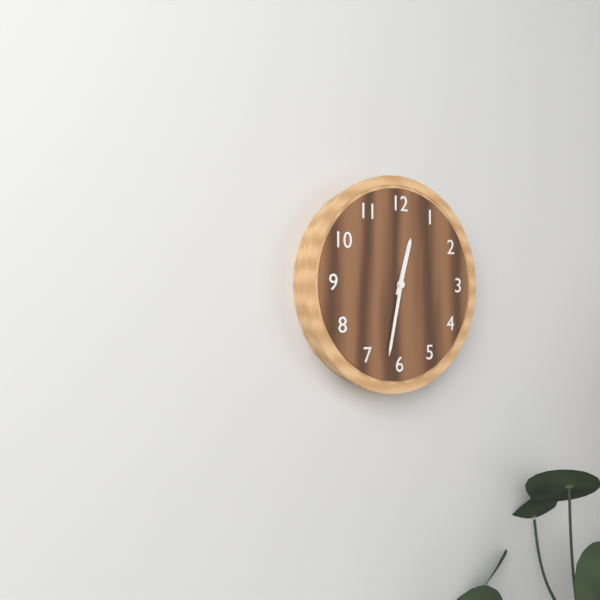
12,32
